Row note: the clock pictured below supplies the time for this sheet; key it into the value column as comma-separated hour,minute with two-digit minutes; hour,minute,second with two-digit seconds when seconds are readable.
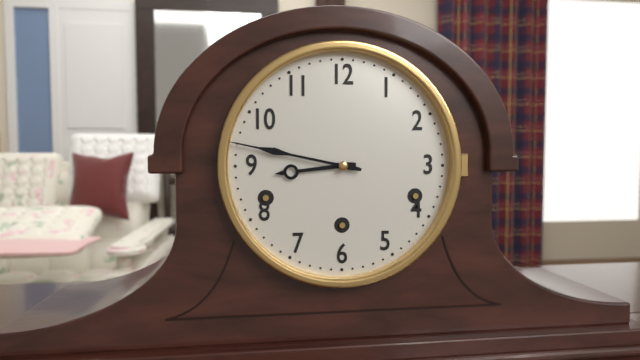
8,47
